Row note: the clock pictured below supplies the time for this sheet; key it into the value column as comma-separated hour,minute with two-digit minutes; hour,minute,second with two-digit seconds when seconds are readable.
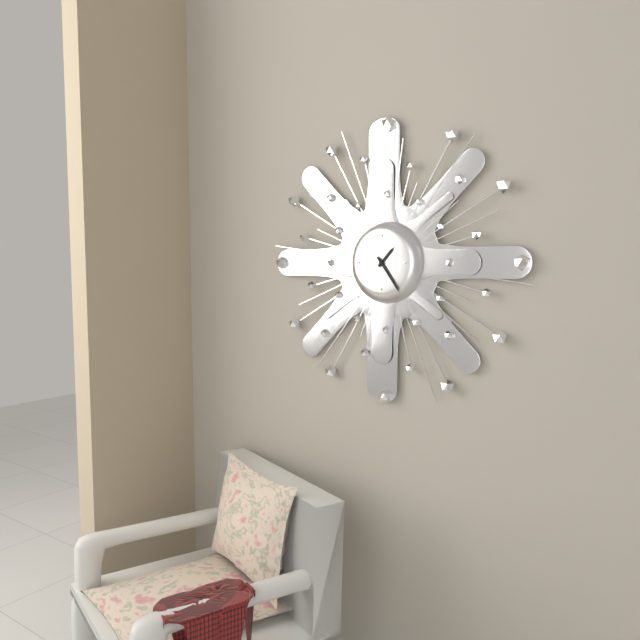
1,24
